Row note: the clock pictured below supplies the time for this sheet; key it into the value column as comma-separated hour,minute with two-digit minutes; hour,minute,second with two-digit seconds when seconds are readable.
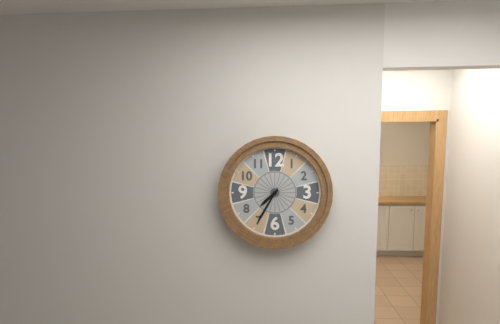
7,35
